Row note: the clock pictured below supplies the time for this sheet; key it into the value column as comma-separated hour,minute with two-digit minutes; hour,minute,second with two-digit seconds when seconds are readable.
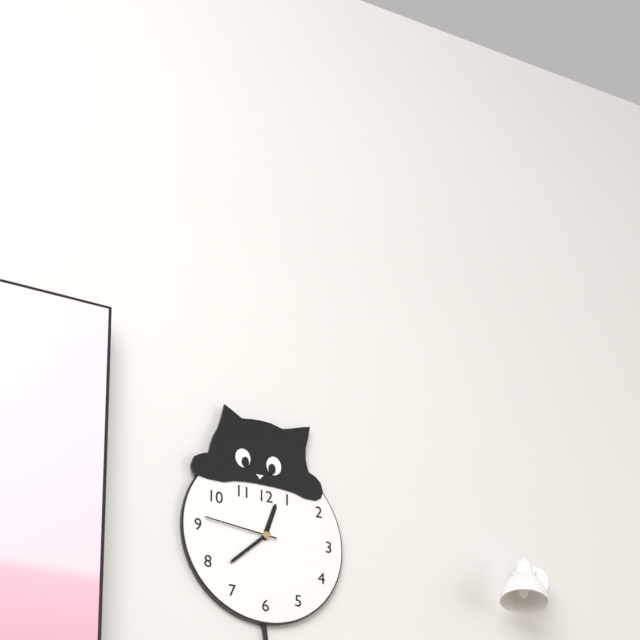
12,38,46
